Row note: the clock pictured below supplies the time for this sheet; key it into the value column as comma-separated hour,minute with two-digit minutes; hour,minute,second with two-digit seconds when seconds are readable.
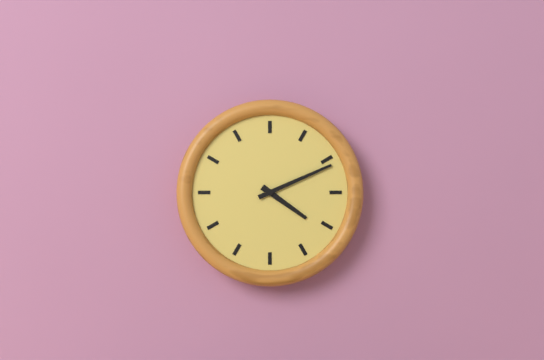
4,11
